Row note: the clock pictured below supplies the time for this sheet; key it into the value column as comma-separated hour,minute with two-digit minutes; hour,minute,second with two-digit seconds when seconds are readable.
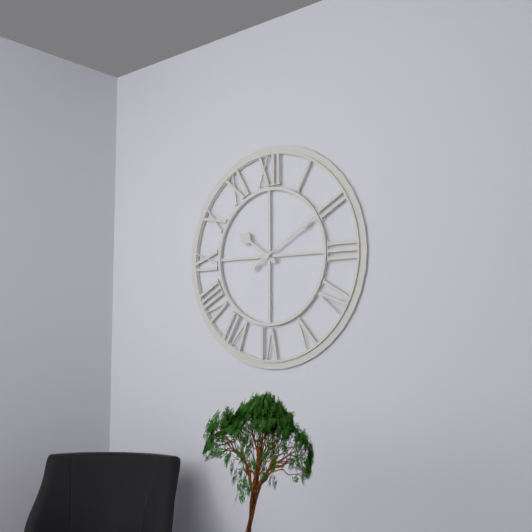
10,10
